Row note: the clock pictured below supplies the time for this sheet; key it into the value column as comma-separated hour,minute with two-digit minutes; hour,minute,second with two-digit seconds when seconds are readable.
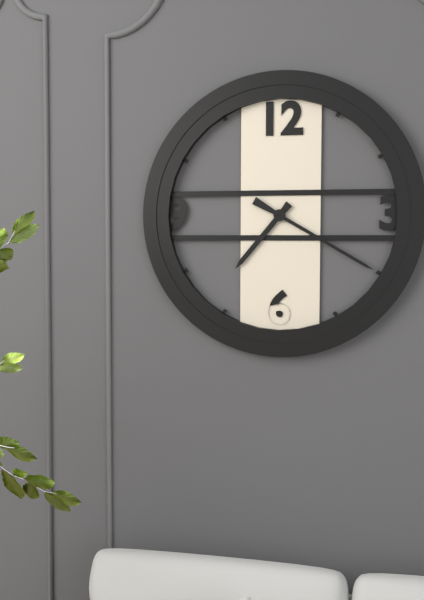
7,20
